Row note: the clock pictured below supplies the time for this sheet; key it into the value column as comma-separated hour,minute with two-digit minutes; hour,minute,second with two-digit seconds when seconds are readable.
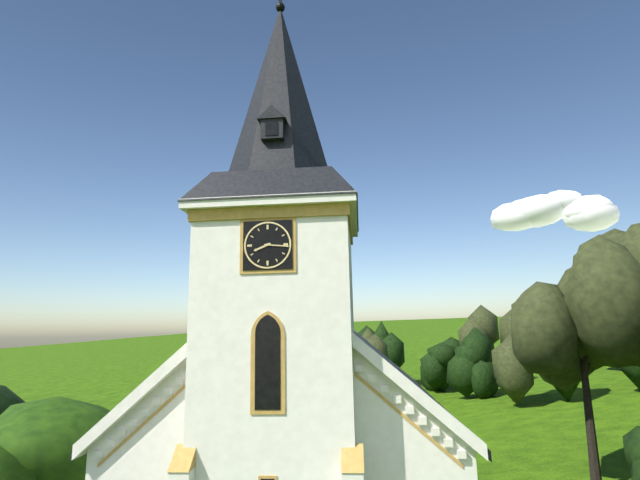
8,16
